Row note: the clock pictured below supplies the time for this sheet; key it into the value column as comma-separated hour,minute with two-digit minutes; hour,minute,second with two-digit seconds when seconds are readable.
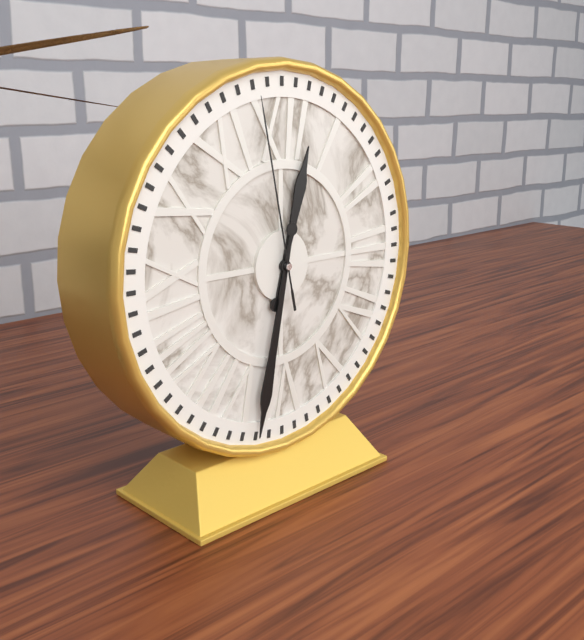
12,32,58
